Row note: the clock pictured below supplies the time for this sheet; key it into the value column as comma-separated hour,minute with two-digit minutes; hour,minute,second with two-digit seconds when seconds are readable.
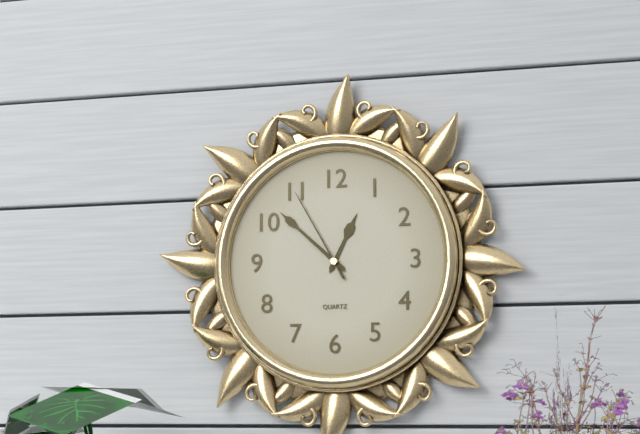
12,52,55
